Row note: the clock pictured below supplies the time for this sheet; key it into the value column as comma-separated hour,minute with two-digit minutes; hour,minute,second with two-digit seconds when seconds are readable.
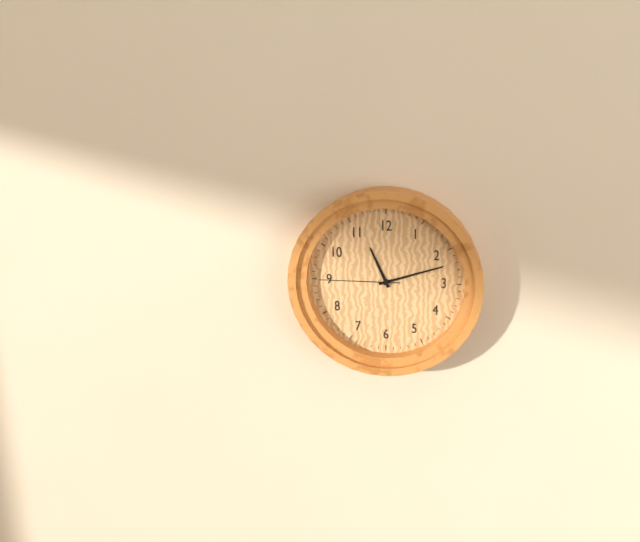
11,12,45
